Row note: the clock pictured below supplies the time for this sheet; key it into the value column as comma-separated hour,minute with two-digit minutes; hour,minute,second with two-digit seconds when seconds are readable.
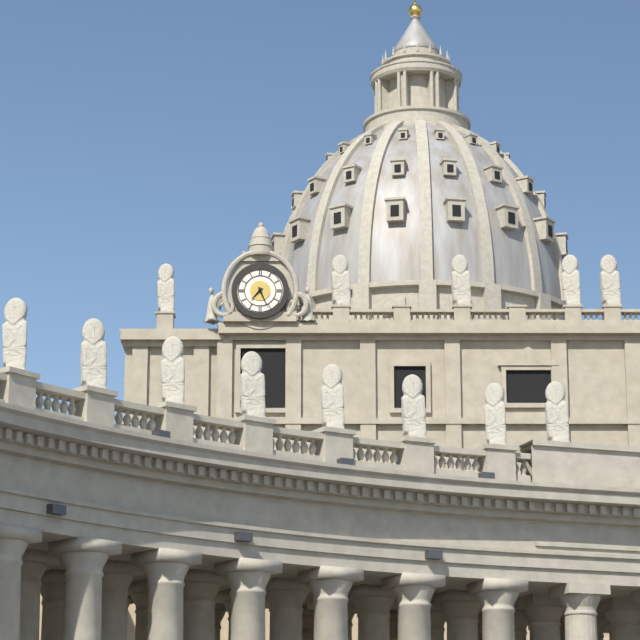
7,26
